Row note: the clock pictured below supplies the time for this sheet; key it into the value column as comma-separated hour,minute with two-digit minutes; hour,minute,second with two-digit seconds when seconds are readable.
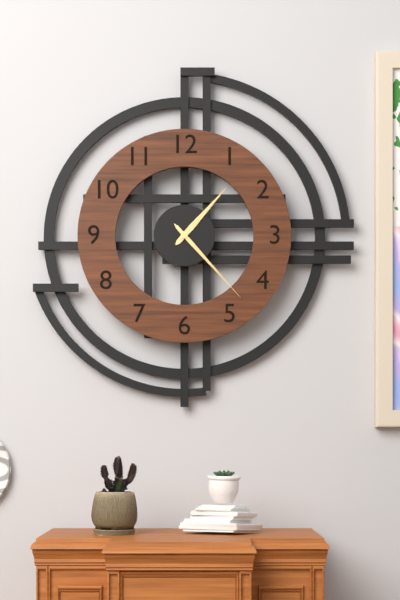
1,23
